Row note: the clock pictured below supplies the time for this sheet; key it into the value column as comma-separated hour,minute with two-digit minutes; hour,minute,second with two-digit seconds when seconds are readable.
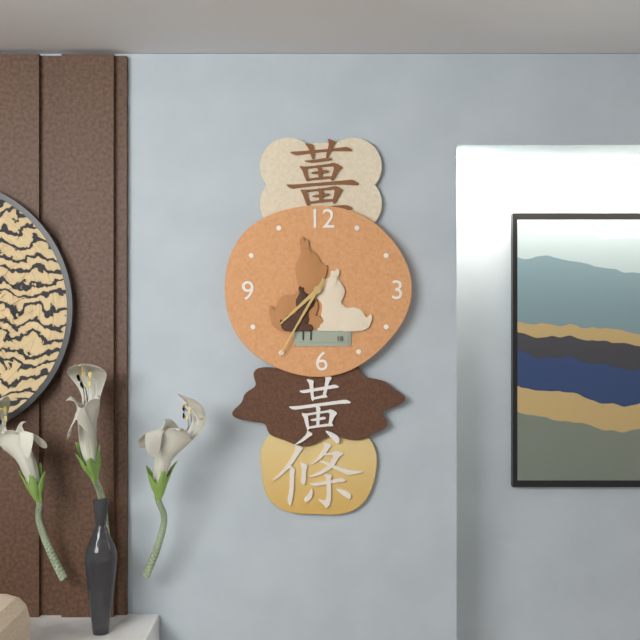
7,35
